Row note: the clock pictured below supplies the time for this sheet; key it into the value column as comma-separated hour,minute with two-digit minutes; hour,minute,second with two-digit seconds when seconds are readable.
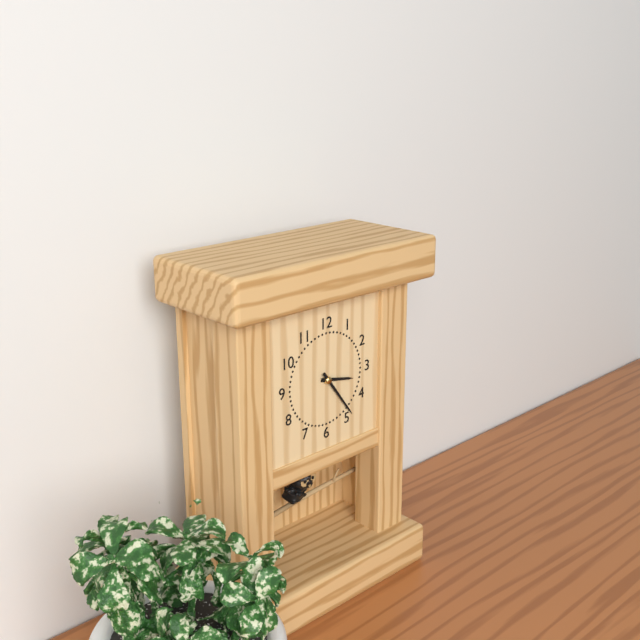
3,24
